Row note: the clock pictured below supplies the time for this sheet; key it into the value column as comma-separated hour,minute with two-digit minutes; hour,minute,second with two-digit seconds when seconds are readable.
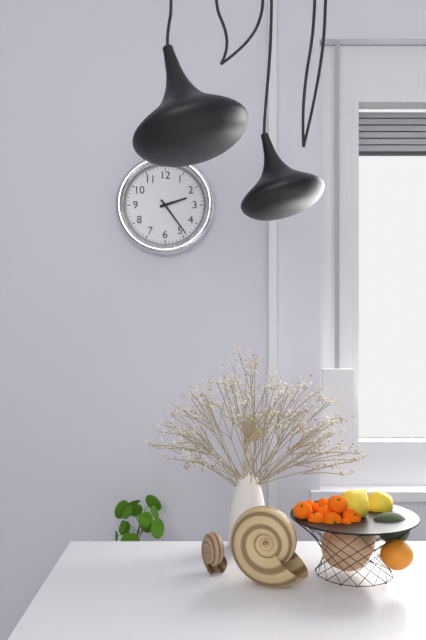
2,24
